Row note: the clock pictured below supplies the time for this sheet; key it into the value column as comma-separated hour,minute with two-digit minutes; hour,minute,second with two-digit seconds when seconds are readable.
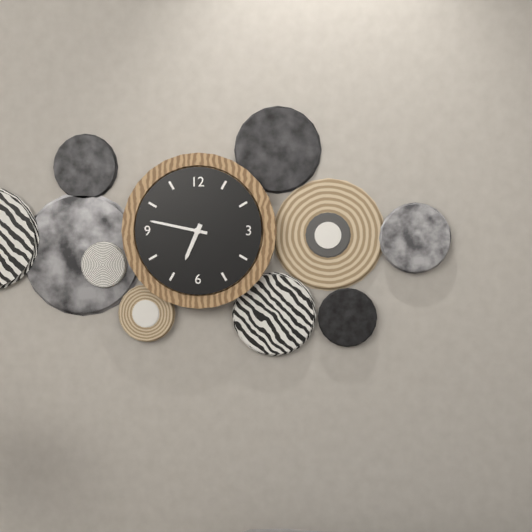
6,47
